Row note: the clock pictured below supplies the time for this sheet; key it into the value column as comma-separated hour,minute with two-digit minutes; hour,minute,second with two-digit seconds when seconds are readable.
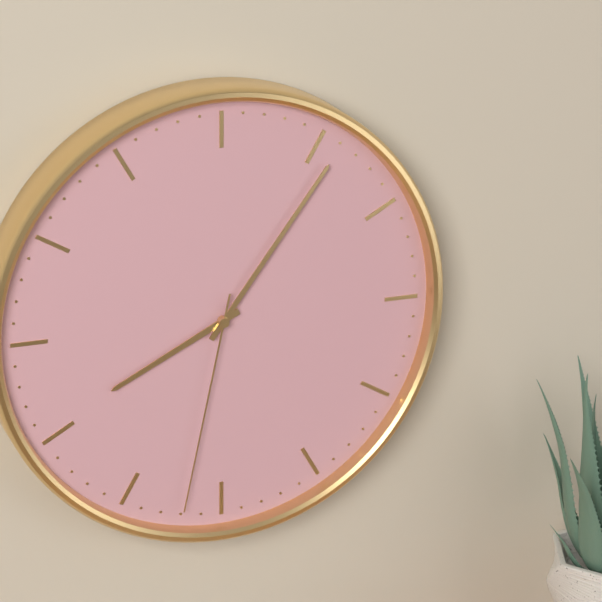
8,06,32
